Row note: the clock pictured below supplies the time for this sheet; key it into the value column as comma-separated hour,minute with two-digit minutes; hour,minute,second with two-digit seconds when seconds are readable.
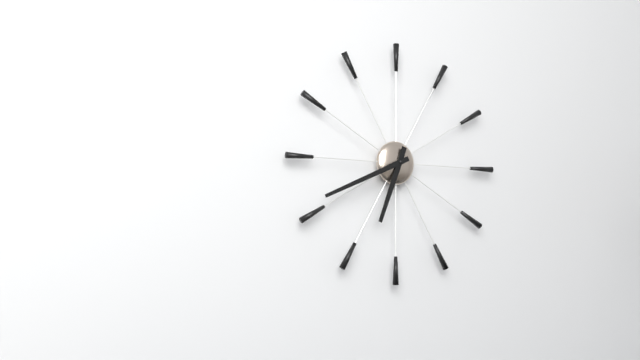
6,41
